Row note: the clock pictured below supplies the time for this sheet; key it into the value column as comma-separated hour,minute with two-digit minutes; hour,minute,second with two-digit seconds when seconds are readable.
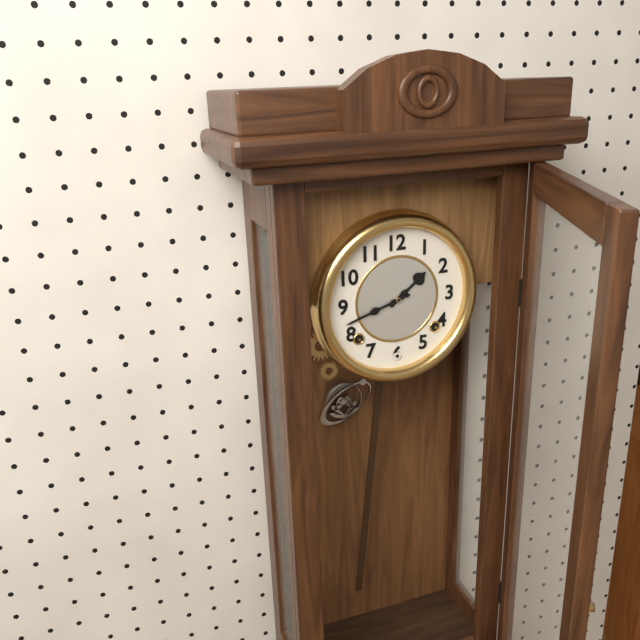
1,42
